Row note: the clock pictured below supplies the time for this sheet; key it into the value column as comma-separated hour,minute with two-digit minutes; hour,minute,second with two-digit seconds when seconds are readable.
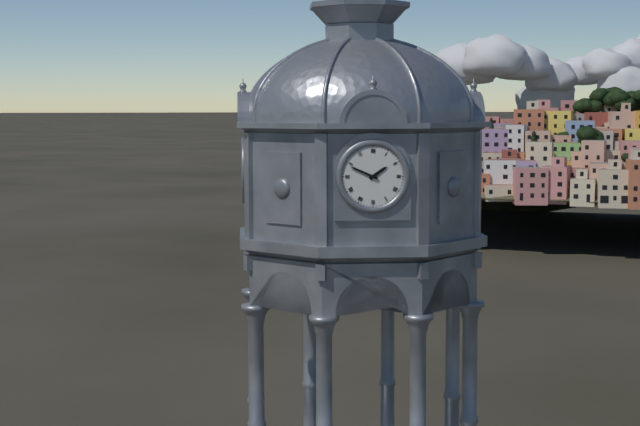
1,49
